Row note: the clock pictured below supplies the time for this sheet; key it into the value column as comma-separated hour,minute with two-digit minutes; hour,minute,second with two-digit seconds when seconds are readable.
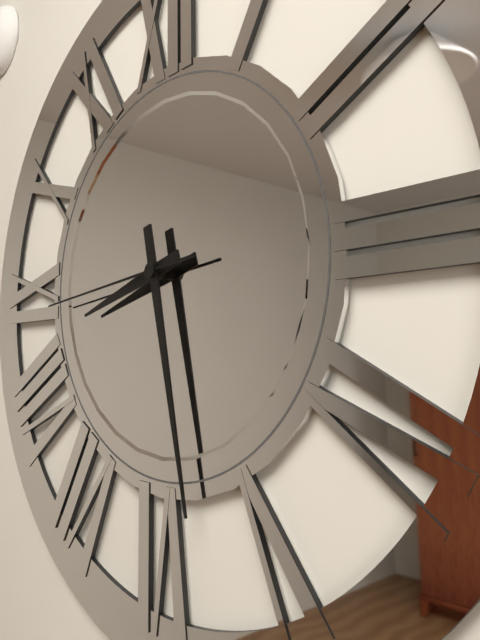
8,28,44
